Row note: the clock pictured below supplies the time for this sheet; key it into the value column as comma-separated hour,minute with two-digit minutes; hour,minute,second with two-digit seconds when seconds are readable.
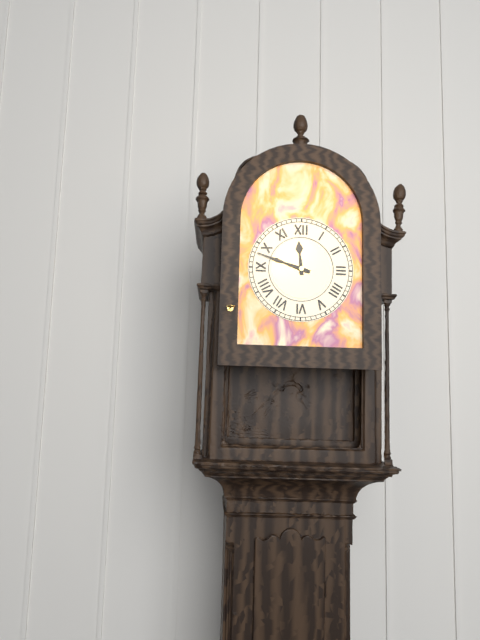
11,48
